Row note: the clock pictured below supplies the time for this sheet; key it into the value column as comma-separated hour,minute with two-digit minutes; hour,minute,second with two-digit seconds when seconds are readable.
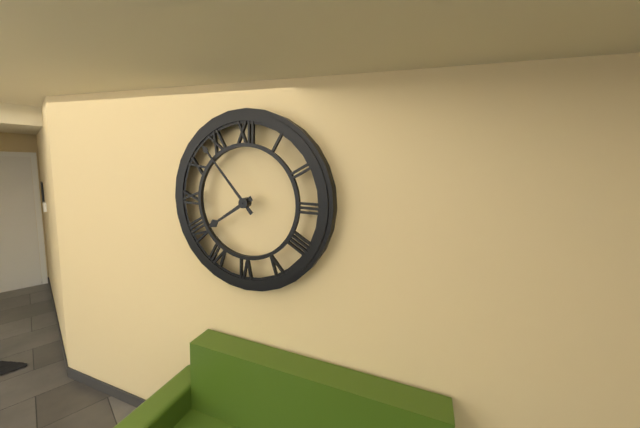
7,53
